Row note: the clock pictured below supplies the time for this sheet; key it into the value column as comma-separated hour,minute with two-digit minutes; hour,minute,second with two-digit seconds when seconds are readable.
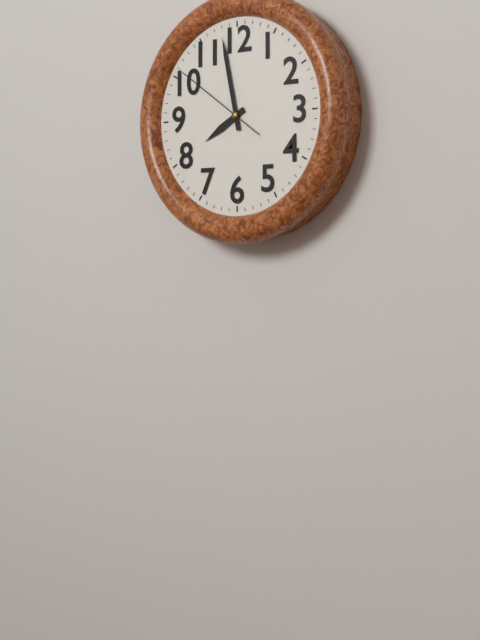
7,58,51
